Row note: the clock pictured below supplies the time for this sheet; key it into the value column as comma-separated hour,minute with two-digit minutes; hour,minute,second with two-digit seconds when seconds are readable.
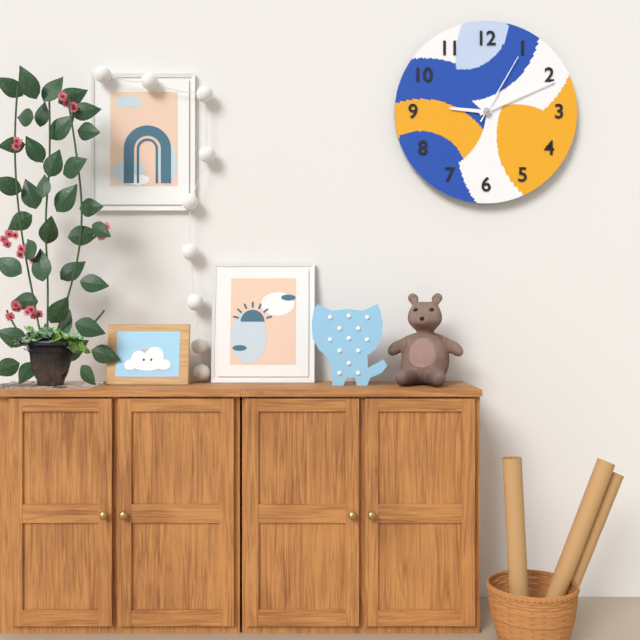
9,11,05
